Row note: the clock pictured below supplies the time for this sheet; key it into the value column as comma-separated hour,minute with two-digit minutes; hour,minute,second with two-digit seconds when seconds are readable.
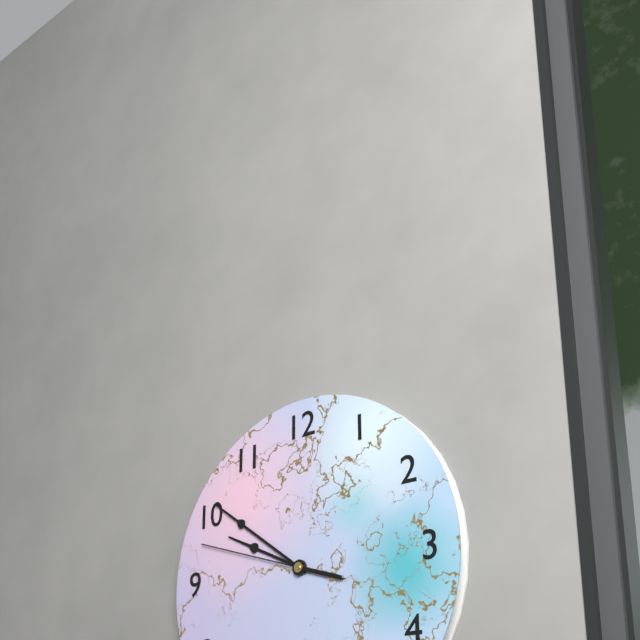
9,51,48
